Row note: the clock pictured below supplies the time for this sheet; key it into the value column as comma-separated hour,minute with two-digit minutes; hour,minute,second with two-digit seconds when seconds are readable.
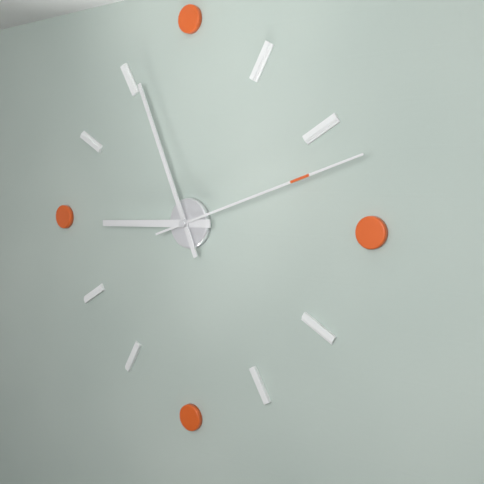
8,56,12
